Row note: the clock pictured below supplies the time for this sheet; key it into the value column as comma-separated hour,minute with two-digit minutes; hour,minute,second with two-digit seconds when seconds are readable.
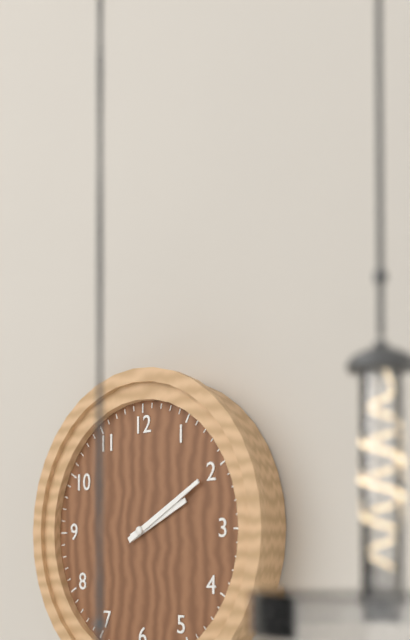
2,10
